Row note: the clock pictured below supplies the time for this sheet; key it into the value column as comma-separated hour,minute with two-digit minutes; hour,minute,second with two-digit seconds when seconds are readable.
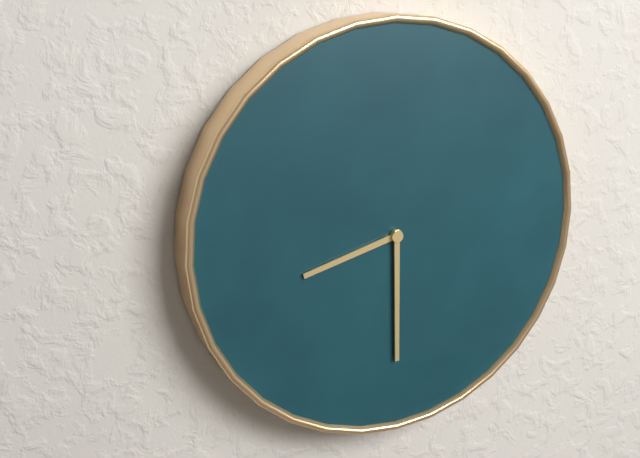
8,30
